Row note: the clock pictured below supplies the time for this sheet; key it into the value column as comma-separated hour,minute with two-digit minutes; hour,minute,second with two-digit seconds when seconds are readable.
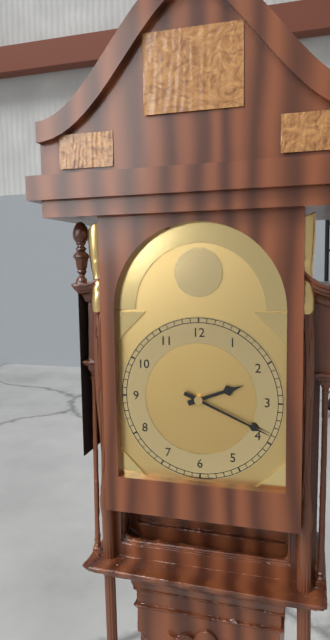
2,19
